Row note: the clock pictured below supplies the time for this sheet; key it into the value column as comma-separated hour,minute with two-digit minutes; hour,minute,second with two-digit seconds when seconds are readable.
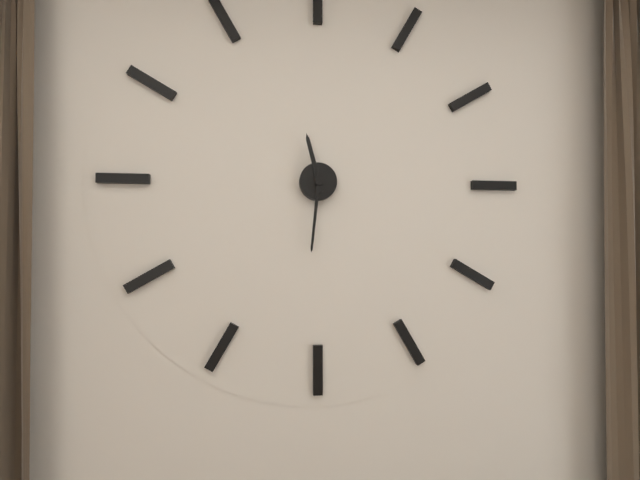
11,31
